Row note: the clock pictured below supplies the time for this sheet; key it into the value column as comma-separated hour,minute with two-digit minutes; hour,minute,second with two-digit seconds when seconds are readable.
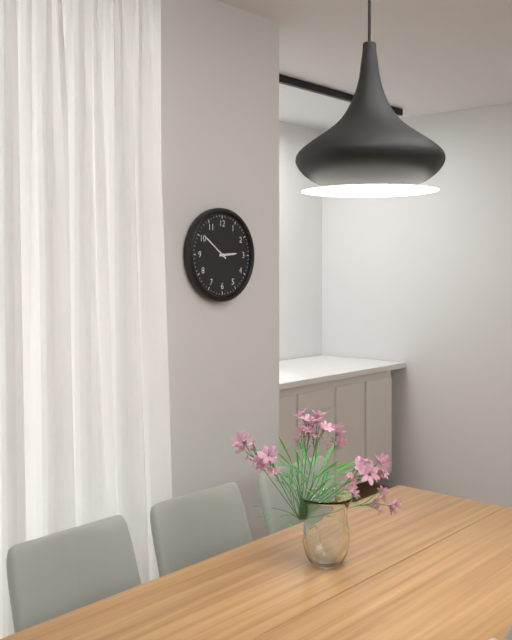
2,51
